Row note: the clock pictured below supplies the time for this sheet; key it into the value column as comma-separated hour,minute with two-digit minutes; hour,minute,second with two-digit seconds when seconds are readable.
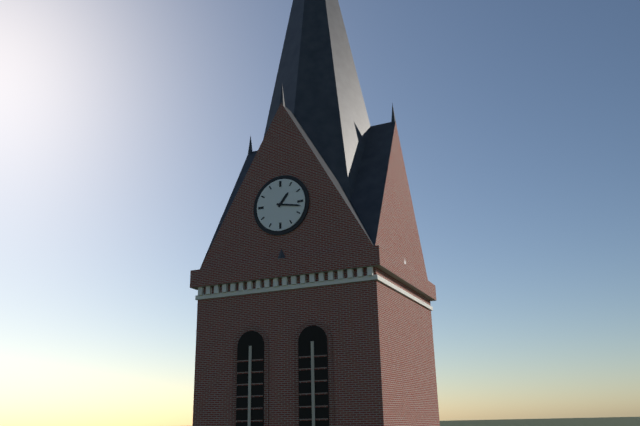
1,17
